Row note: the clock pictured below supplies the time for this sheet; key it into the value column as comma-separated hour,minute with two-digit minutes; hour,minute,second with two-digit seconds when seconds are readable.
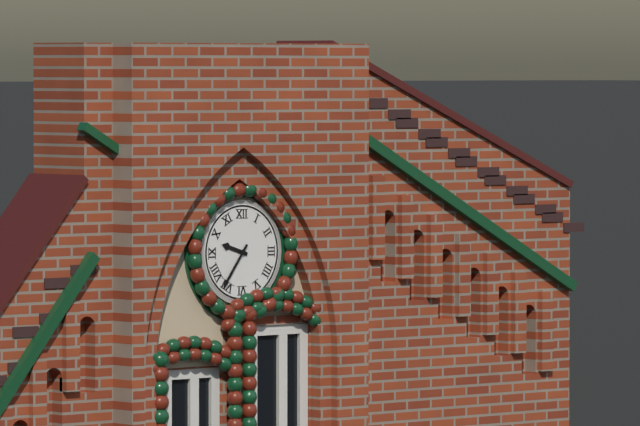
9,36
